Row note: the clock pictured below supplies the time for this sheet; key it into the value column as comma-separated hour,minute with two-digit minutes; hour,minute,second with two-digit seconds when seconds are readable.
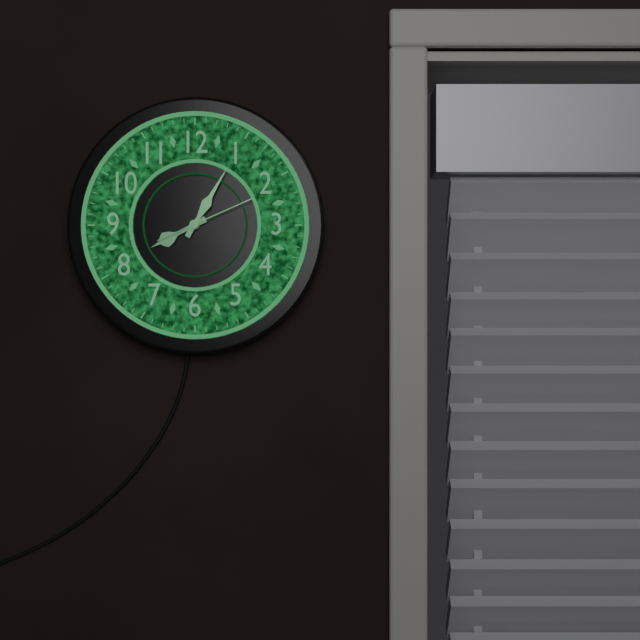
8,05,11
